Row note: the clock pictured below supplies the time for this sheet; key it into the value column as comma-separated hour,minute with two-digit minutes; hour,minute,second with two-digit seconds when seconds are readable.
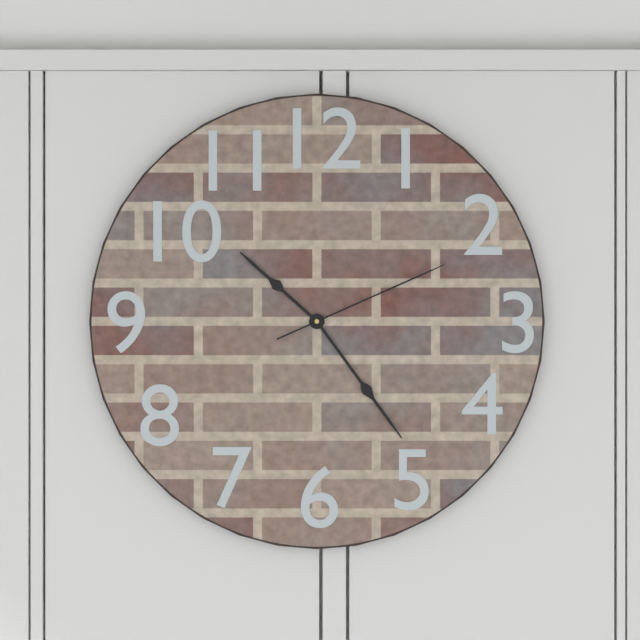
10,24,11
